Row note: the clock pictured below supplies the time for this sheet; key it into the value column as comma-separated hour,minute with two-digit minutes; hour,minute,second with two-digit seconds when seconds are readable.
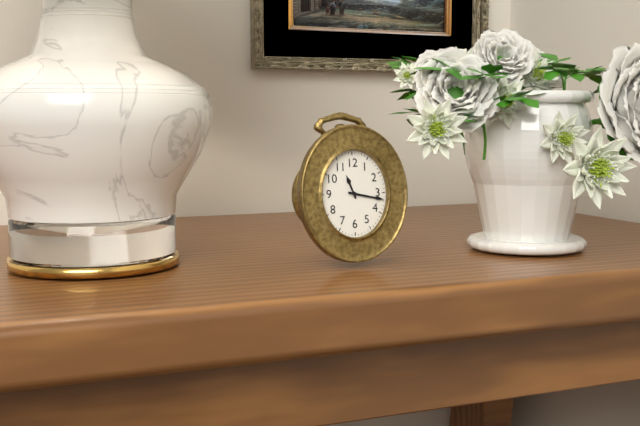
11,17
